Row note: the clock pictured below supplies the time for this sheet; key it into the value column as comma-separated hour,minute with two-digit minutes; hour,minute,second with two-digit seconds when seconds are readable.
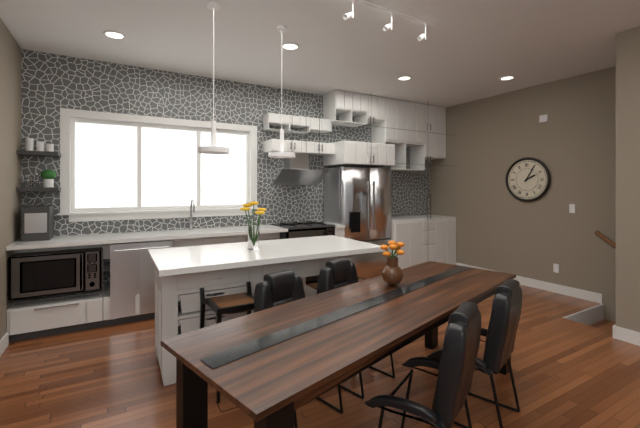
2,05
